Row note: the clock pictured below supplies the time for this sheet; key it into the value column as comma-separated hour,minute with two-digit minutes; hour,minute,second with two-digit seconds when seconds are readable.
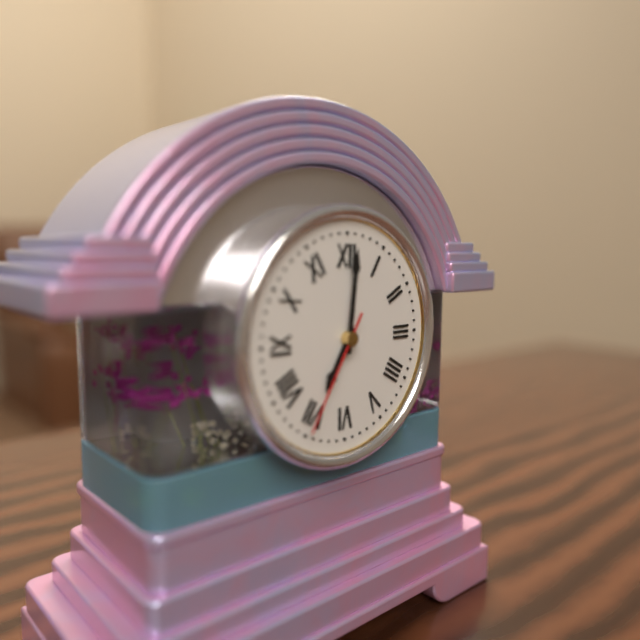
7,01,35
